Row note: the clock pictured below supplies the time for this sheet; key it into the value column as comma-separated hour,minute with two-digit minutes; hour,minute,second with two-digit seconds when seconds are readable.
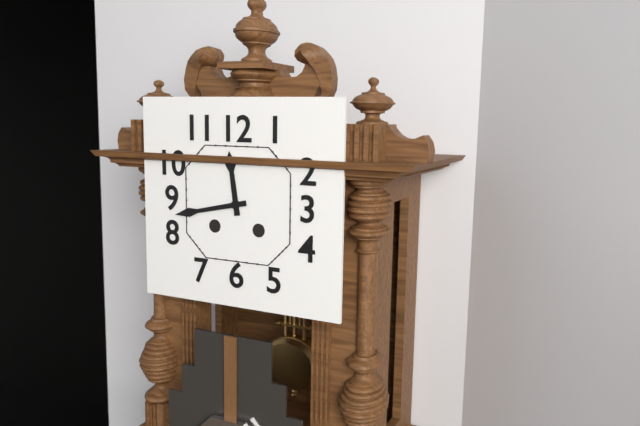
11,43
